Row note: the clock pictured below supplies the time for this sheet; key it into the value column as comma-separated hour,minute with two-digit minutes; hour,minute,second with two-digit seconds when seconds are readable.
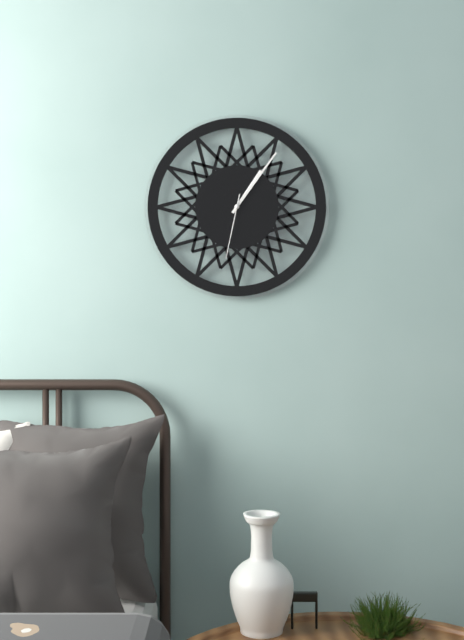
1,06,32
